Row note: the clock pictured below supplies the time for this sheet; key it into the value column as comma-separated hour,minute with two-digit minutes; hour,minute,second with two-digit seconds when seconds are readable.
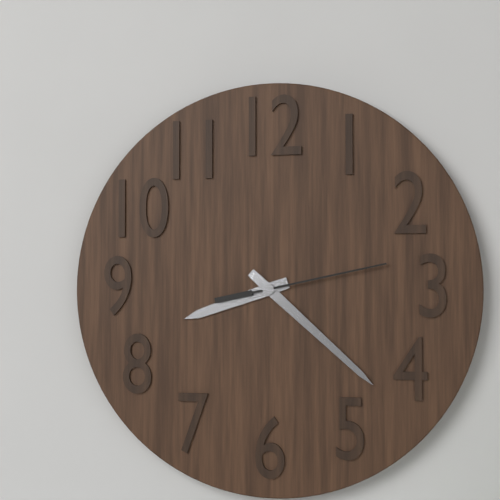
8,22,13
